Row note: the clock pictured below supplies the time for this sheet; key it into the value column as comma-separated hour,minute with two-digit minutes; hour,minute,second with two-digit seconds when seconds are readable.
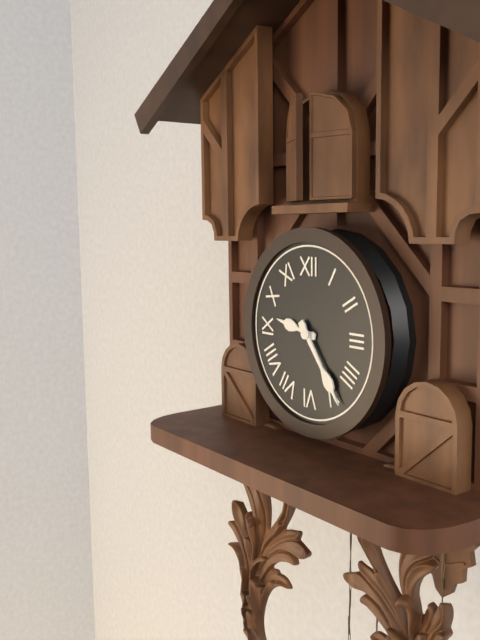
9,24
